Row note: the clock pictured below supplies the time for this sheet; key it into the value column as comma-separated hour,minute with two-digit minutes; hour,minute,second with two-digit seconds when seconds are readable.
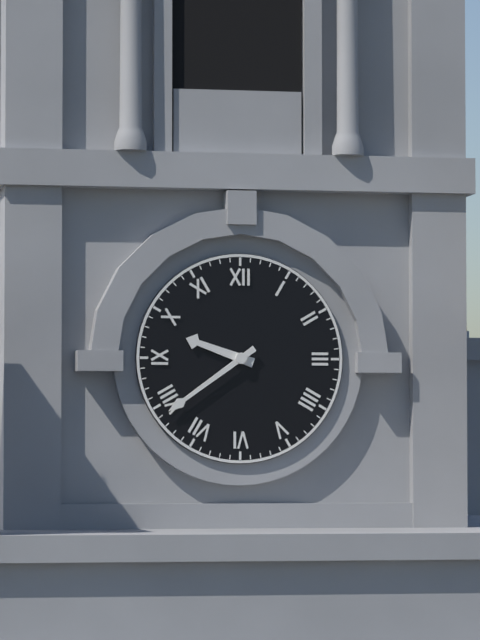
9,39
